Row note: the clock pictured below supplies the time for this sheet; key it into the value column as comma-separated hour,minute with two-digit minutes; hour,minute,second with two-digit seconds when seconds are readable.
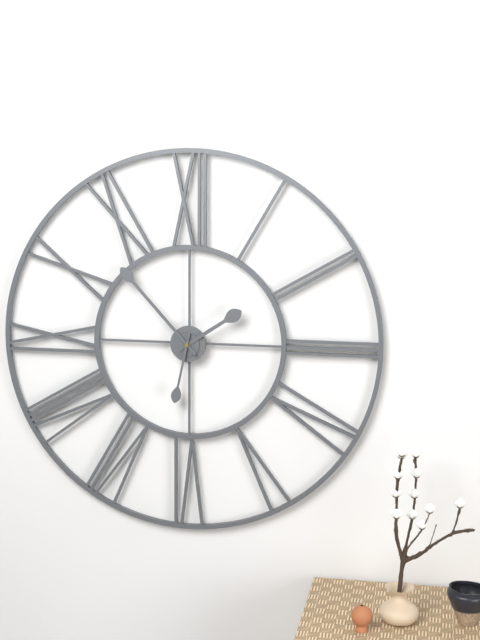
1,53,32
